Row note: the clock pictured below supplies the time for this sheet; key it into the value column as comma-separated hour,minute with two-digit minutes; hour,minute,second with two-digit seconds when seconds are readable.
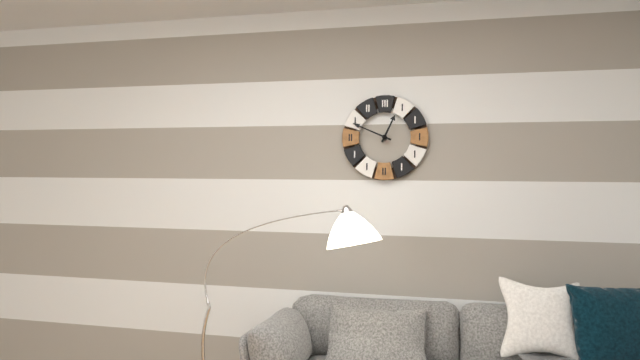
12,49
